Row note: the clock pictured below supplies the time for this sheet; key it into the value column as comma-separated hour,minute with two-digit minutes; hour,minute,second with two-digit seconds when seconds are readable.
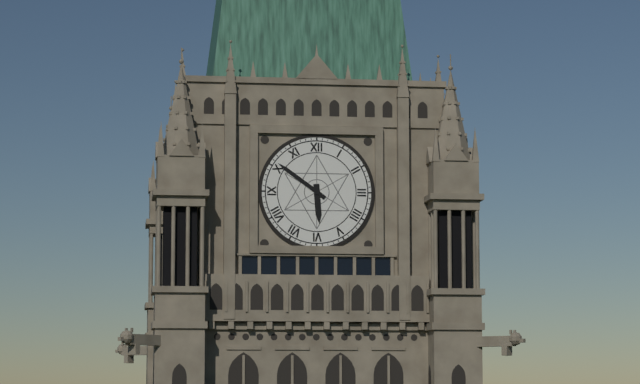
5,51
